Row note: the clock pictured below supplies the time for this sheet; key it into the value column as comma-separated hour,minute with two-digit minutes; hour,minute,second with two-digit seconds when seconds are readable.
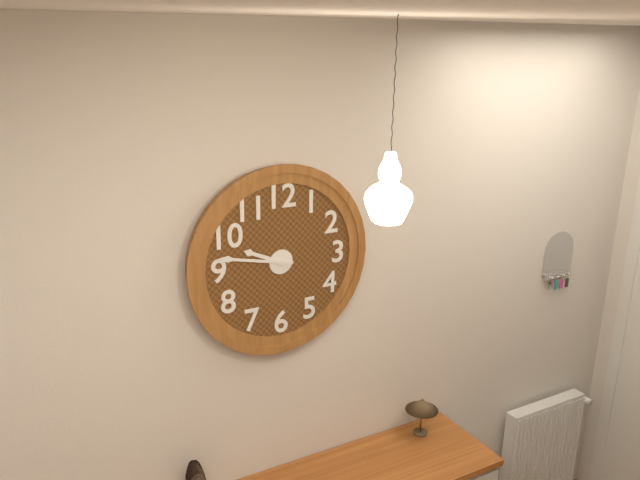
9,47
